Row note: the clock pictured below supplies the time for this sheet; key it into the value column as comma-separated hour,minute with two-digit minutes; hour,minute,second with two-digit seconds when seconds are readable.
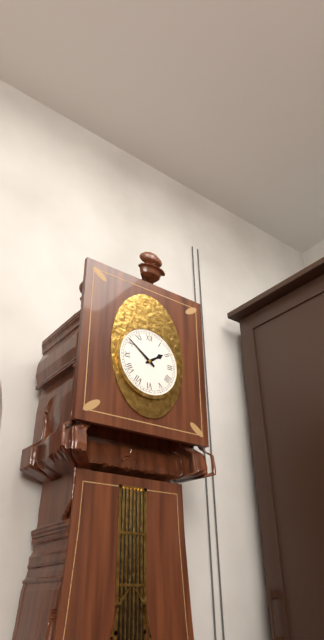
1,51
